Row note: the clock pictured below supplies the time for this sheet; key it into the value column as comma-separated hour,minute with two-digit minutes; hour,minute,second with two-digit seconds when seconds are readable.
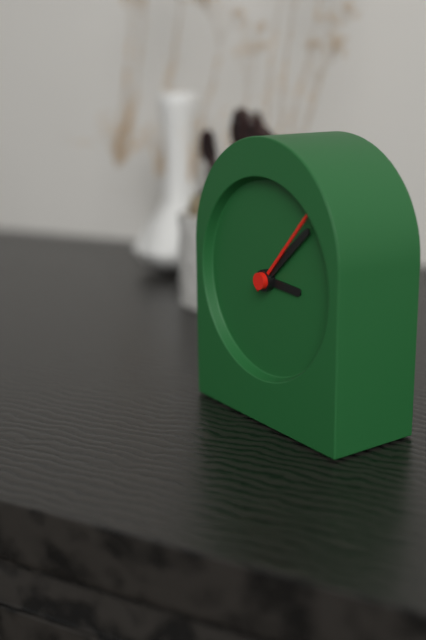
3,08,07
